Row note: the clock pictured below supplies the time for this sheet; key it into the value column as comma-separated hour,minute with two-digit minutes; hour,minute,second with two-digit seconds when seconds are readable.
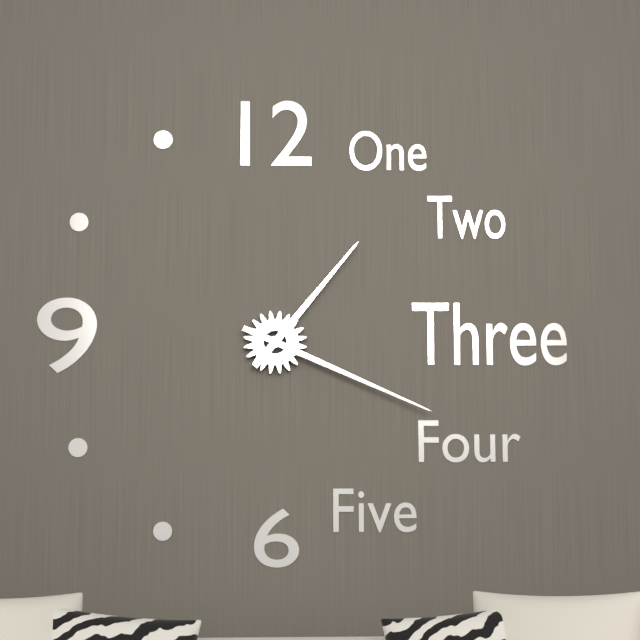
1,19
